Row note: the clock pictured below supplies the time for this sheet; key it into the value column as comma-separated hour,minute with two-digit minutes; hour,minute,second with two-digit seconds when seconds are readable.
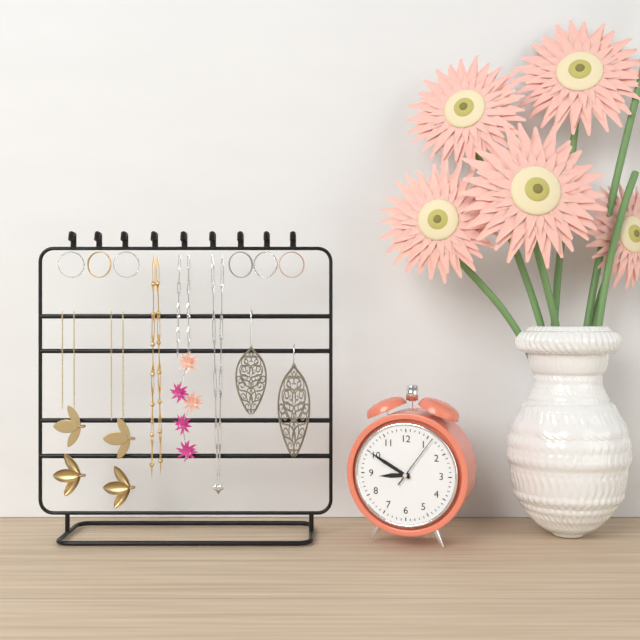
8,50,06
